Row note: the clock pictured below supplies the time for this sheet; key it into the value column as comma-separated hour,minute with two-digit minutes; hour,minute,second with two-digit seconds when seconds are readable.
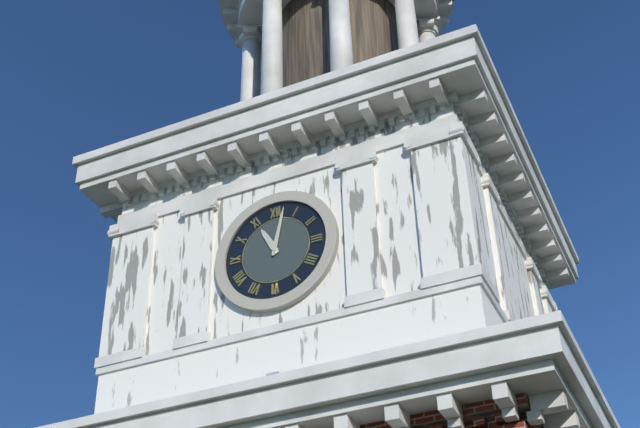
11,02
